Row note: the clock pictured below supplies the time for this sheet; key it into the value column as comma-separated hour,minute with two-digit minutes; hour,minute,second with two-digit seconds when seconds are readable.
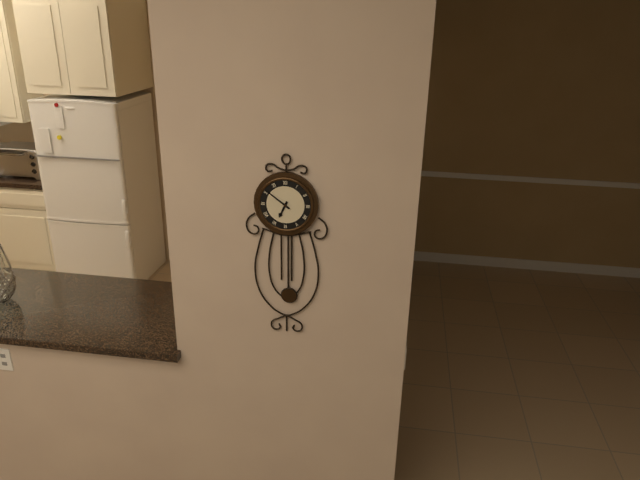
6,51
